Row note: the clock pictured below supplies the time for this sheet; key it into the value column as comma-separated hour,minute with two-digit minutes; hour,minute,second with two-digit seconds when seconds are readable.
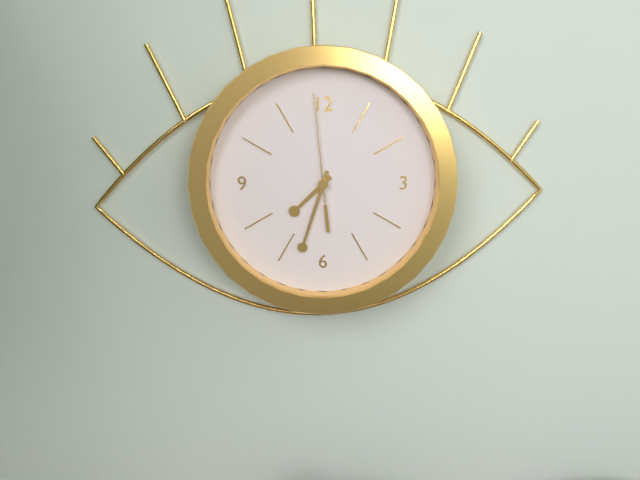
7,33,59
